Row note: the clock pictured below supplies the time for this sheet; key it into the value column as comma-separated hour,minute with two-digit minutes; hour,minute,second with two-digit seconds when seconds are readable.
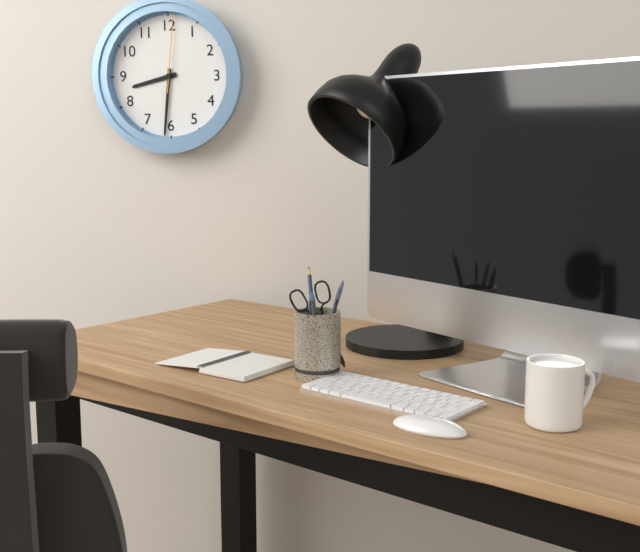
8,31,01
